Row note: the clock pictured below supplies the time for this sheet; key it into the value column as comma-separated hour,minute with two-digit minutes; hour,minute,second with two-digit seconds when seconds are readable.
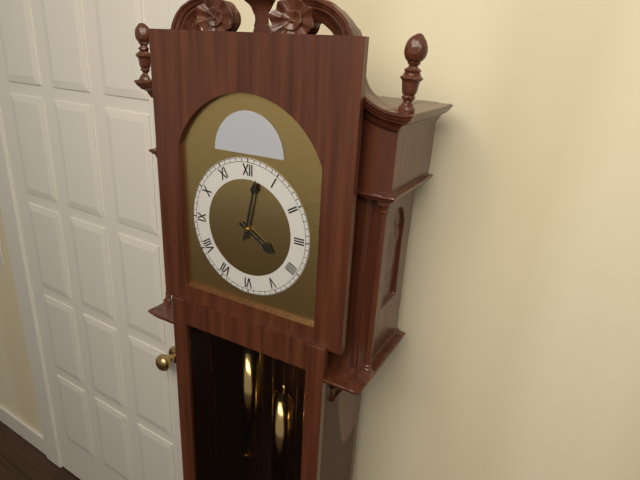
4,02
